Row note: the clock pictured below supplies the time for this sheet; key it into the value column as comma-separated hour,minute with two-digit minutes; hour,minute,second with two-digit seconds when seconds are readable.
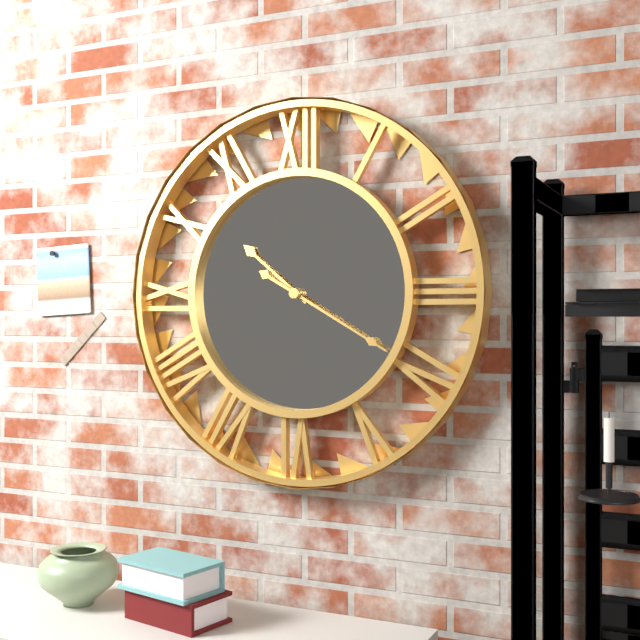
10,20
